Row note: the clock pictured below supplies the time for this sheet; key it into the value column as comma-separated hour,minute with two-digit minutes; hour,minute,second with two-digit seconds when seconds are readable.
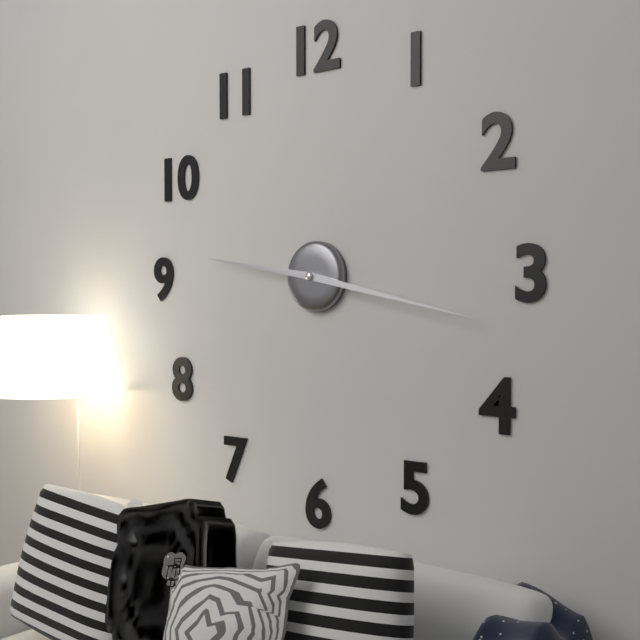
9,17
